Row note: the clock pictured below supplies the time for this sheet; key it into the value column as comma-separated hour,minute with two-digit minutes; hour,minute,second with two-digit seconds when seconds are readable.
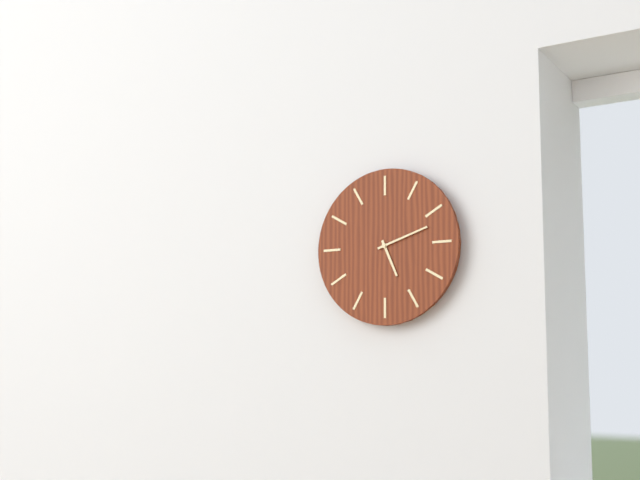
5,12
